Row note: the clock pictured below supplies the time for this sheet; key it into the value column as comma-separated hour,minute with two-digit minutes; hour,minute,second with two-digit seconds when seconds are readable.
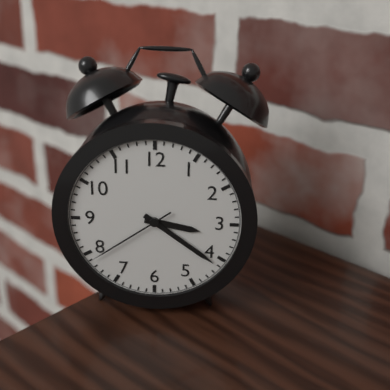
3,21,39
